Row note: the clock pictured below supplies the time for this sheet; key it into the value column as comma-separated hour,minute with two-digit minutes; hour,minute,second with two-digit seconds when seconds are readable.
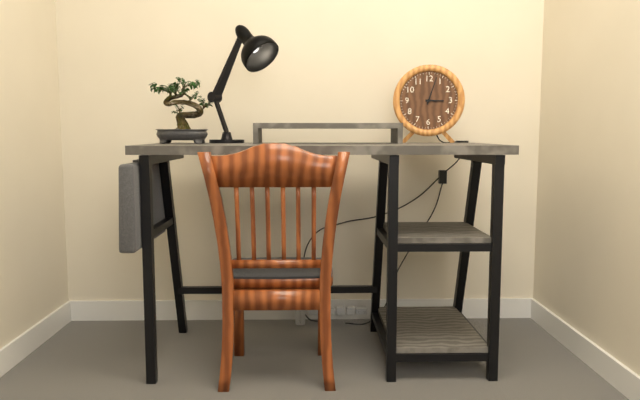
3,03
